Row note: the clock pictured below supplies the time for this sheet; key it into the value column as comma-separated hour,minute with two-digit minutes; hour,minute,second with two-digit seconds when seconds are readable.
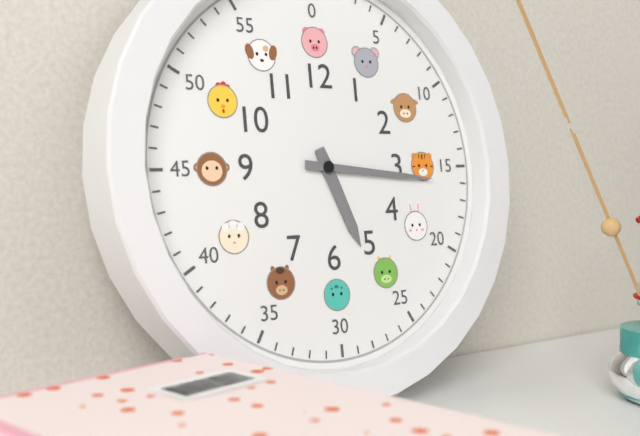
5,16
